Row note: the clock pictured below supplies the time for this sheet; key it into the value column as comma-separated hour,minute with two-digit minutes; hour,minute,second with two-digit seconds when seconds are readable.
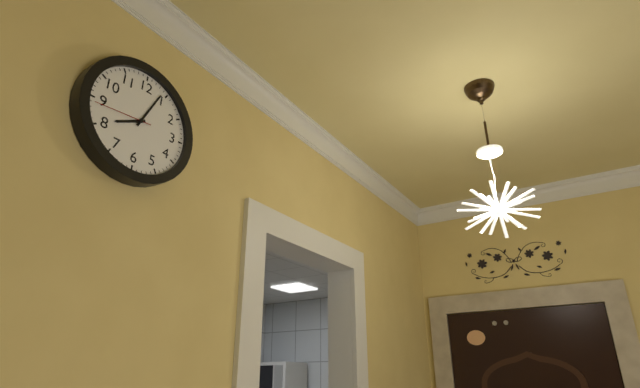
8,04,44
